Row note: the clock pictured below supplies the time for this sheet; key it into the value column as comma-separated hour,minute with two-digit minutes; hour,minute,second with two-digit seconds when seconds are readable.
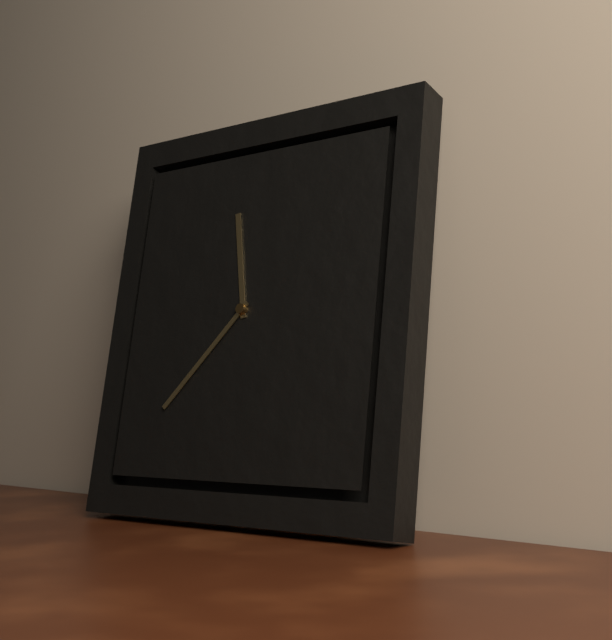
11,37
